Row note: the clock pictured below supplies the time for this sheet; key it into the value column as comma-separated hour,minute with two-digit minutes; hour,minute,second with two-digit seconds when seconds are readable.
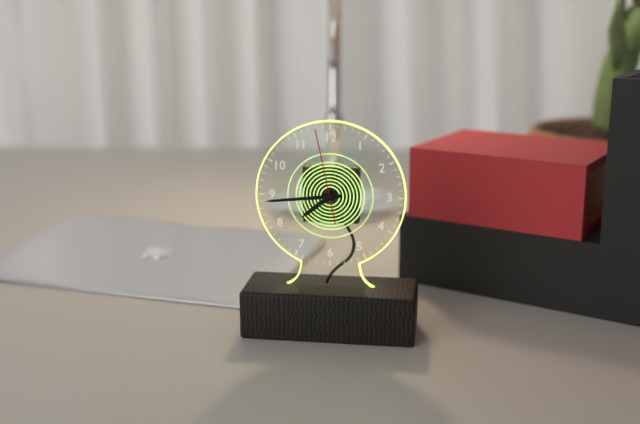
7,44,58
